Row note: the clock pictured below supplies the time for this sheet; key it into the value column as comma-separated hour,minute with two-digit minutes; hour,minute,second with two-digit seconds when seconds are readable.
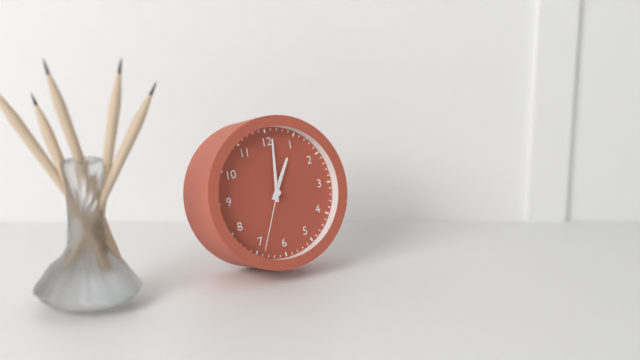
1,01,34
